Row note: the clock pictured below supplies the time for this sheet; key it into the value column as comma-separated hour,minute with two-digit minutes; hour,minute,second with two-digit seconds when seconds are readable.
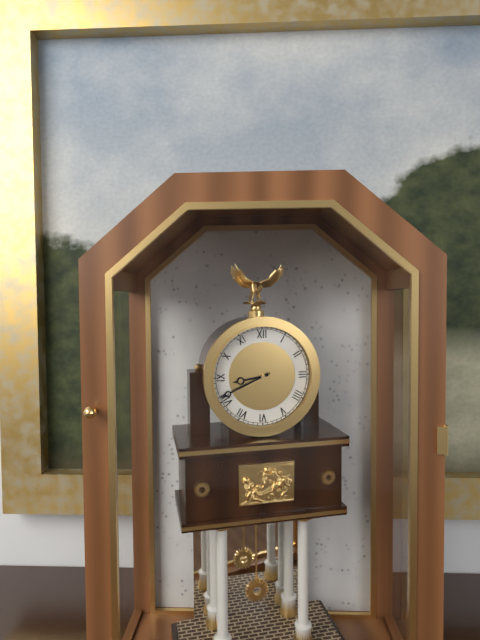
8,41
